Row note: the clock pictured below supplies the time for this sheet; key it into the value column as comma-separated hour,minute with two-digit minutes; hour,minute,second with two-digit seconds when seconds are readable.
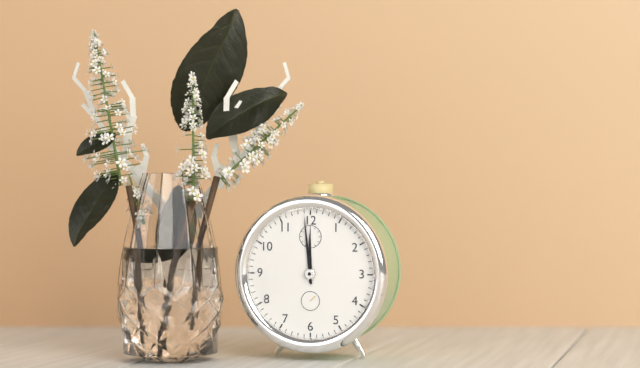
11,59
